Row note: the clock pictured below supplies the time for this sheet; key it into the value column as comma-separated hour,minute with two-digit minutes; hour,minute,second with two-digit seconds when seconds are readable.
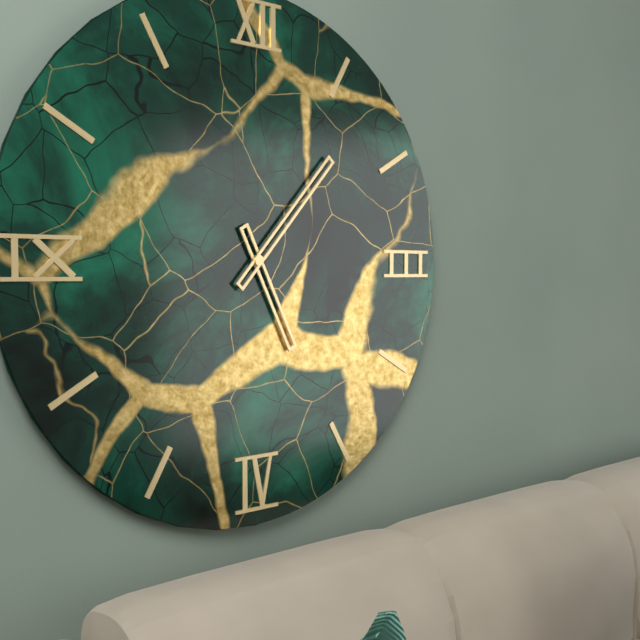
5,07
